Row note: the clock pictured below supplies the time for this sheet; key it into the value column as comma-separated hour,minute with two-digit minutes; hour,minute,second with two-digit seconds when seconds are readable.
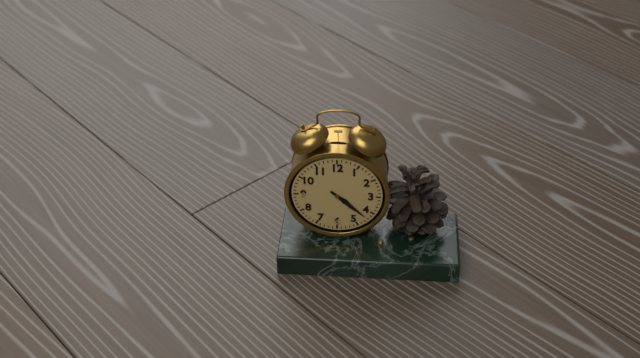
4,22
